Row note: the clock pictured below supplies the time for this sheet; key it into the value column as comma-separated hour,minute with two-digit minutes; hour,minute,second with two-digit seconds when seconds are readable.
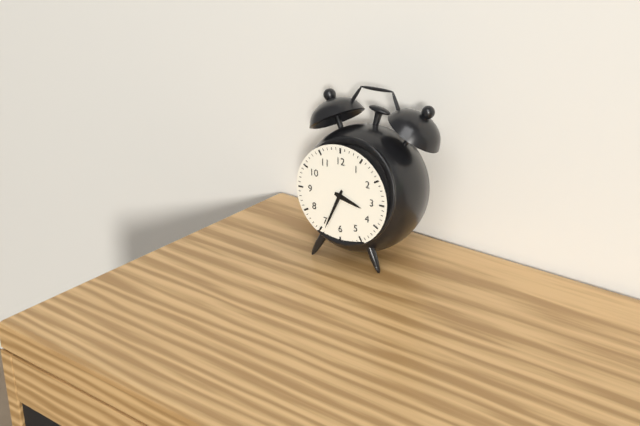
3,34
